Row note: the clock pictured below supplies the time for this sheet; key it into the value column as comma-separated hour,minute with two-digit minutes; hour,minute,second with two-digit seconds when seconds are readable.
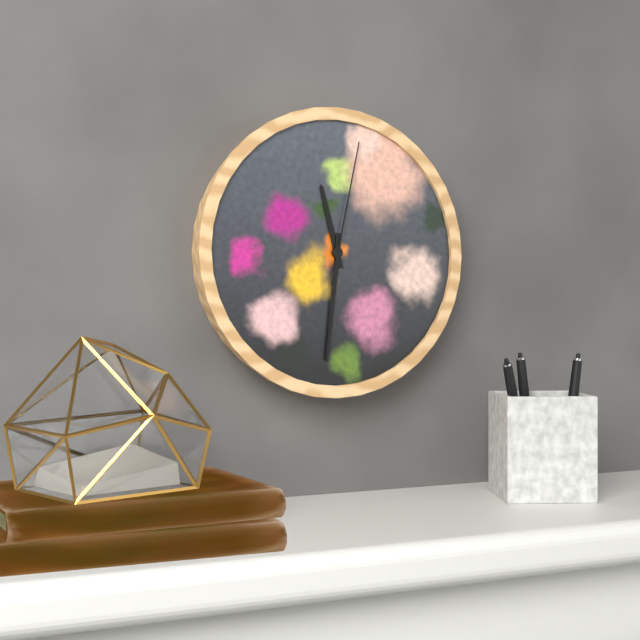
11,31,02
